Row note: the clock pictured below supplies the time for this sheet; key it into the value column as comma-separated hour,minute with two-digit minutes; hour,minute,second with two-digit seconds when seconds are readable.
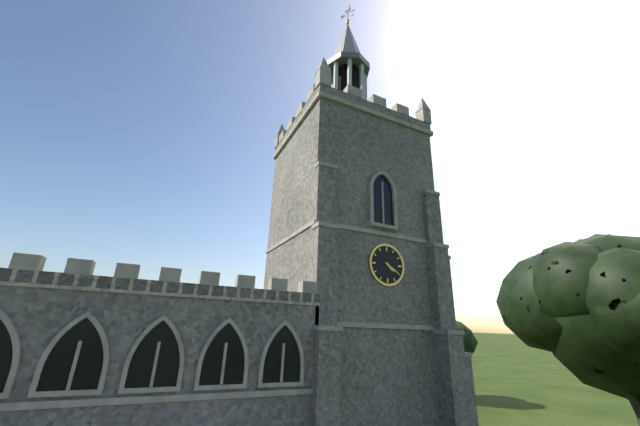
4,20
